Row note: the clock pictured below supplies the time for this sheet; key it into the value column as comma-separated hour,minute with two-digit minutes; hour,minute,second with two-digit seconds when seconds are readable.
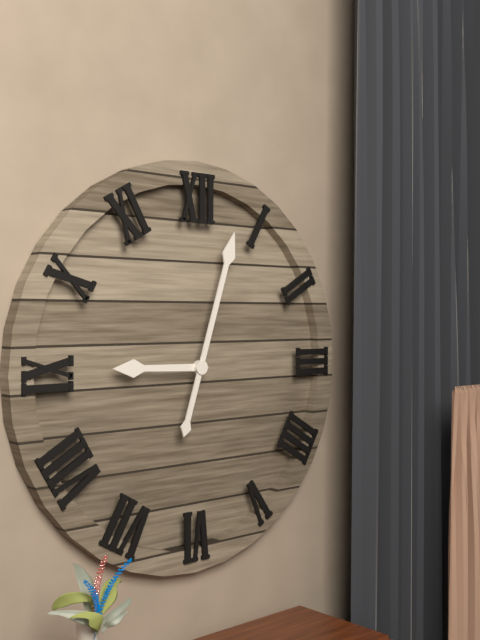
9,03
